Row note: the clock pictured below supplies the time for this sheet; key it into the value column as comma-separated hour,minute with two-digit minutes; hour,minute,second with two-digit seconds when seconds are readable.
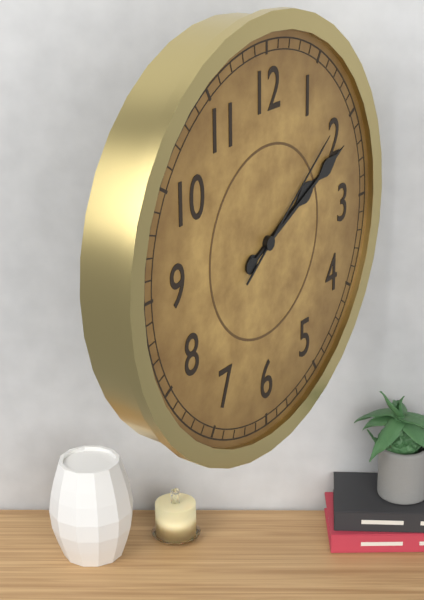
2,11,09
